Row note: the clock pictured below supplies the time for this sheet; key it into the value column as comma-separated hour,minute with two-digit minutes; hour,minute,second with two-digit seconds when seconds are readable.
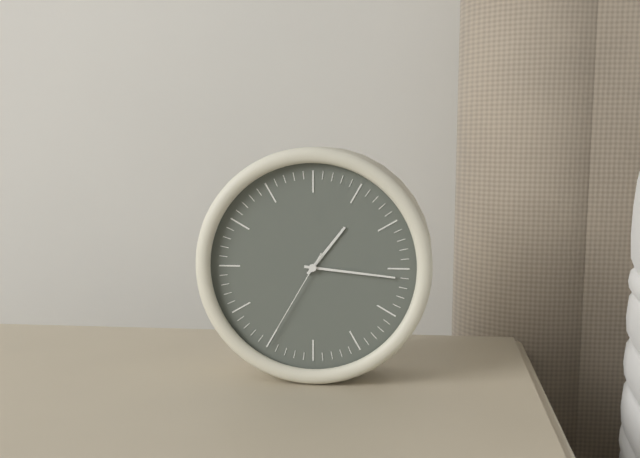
1,16,35
